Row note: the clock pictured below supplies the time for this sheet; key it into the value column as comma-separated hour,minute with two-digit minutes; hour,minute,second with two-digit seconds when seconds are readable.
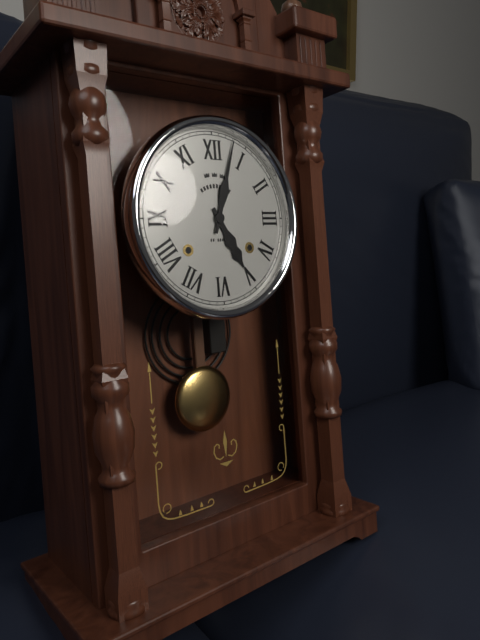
5,03
